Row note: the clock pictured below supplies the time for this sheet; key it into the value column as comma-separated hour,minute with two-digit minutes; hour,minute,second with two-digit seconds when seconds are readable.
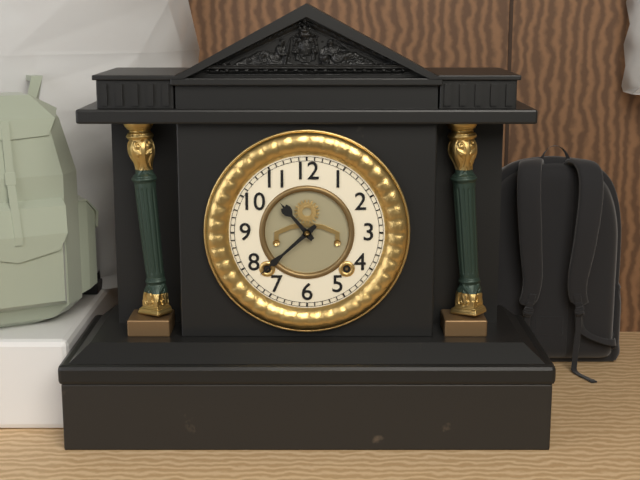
10,38
